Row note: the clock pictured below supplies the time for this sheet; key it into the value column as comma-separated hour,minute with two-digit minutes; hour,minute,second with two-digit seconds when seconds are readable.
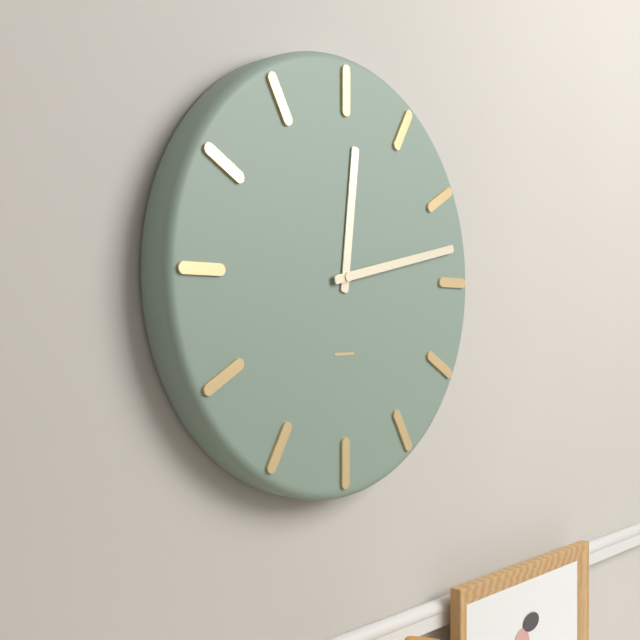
12,13
